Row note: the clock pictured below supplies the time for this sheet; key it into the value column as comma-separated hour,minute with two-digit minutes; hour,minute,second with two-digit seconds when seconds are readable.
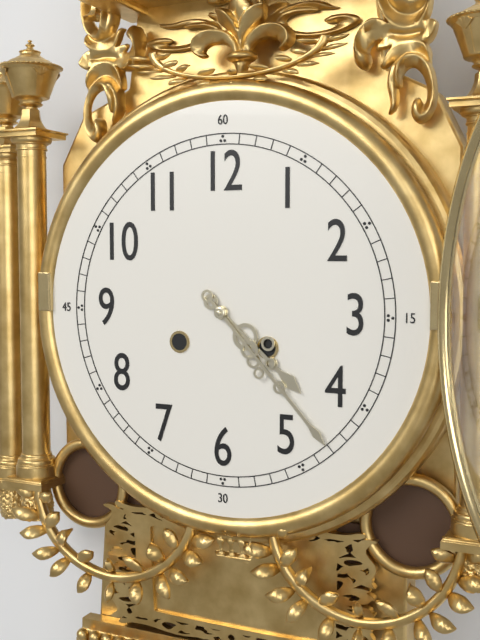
4,23
